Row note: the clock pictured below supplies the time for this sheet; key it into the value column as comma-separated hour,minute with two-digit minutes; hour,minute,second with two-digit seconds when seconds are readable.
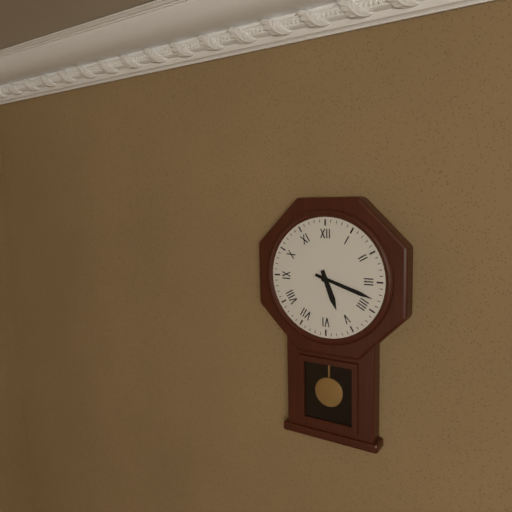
5,18
